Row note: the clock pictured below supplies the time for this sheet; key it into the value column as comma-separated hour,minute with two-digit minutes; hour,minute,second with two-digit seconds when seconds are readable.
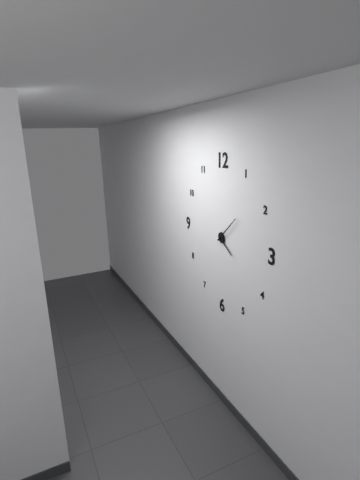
4,08
